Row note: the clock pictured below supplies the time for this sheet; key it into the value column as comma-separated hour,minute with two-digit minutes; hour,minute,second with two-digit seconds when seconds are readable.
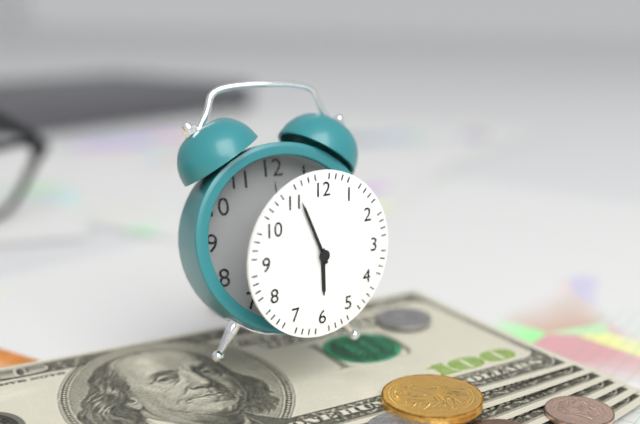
5,56
